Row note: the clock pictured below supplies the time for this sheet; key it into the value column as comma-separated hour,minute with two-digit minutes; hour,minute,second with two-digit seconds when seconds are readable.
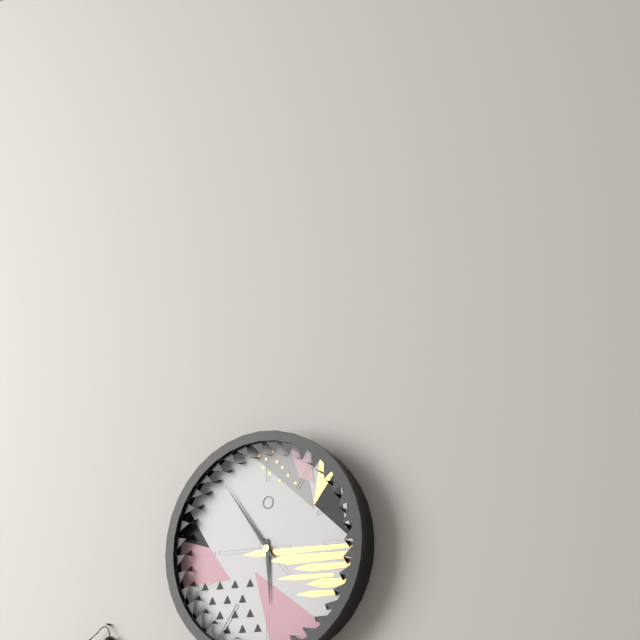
5,54
